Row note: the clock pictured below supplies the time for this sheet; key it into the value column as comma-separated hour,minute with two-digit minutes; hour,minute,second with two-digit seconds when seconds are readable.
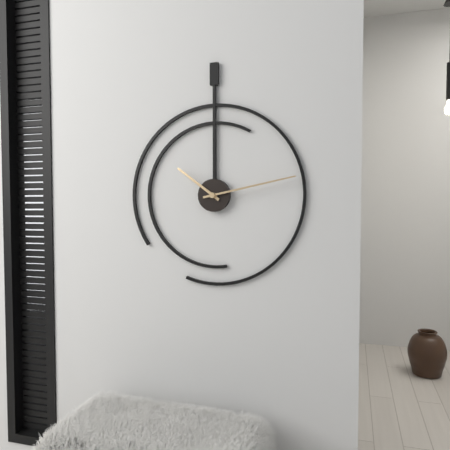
10,13
